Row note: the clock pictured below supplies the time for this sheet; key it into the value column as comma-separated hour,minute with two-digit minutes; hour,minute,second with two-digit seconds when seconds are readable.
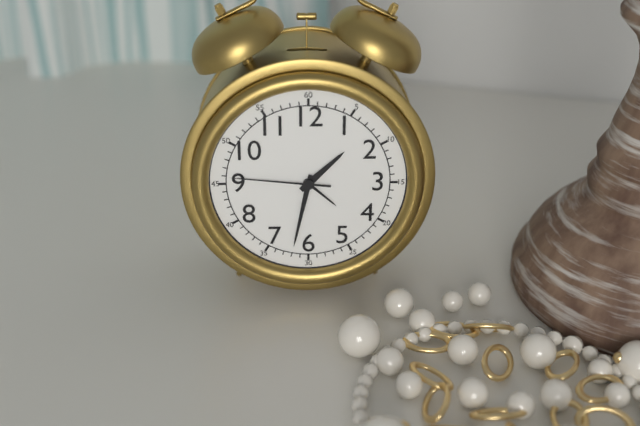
1,32,46
